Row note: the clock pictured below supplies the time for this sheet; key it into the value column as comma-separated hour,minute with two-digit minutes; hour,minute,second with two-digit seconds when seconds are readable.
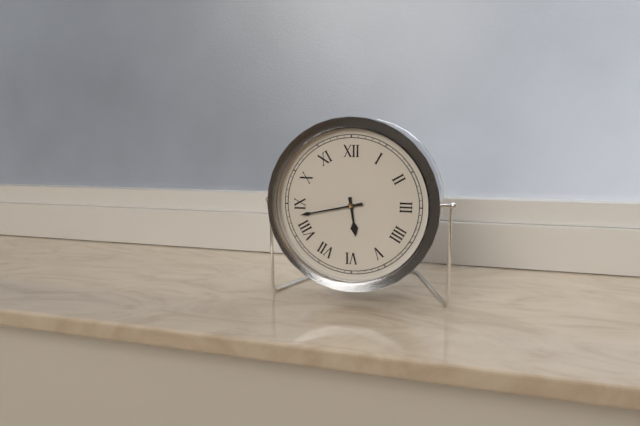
5,43
